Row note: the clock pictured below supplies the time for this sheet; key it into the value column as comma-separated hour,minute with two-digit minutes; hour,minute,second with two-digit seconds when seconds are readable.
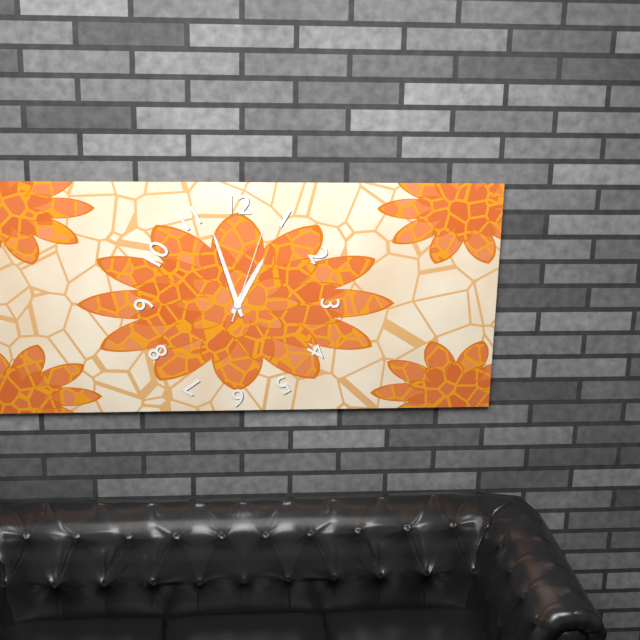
12,57,03
